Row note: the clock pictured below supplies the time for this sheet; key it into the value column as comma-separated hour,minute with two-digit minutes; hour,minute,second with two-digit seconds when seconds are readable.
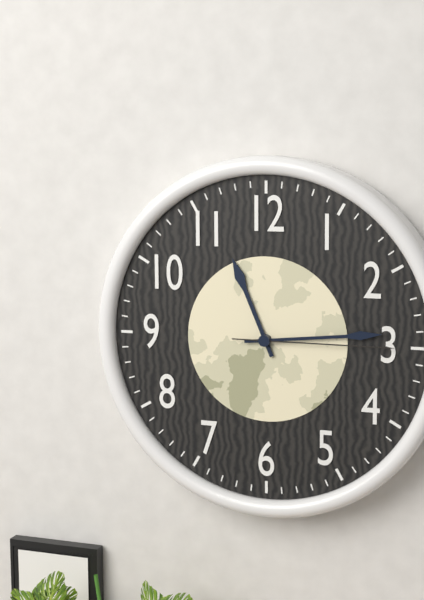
11,14,15
